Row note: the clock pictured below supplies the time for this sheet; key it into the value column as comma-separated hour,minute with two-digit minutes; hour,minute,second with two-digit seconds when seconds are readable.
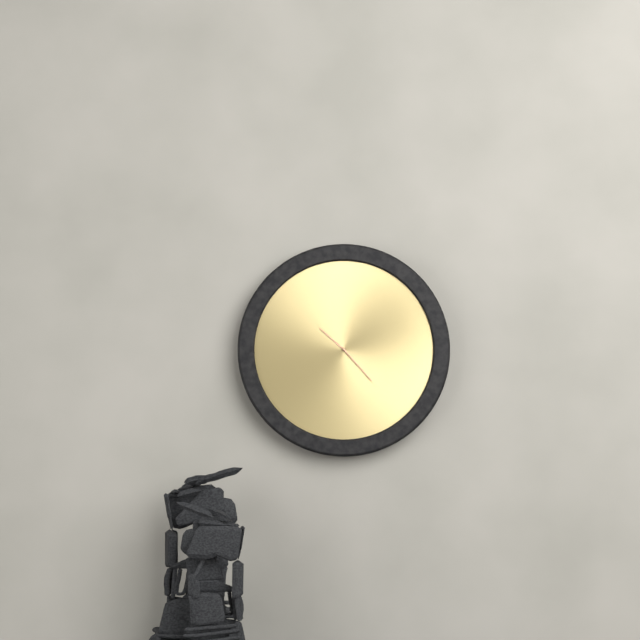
10,23
